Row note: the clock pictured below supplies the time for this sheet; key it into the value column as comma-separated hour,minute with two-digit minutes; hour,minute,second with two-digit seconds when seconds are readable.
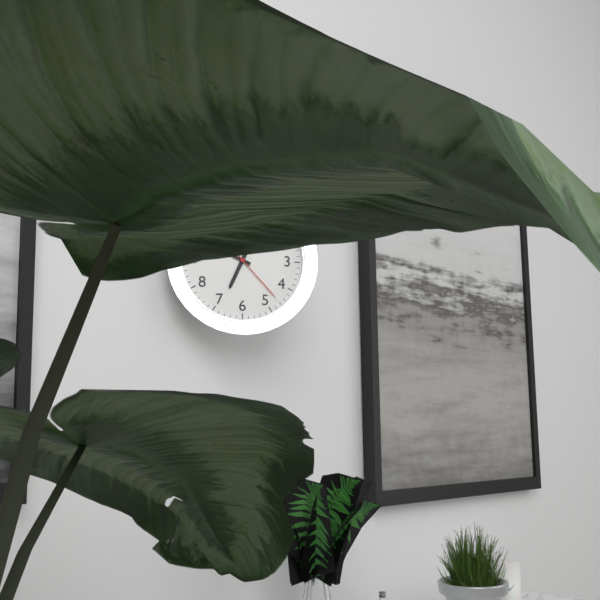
6,49,23
